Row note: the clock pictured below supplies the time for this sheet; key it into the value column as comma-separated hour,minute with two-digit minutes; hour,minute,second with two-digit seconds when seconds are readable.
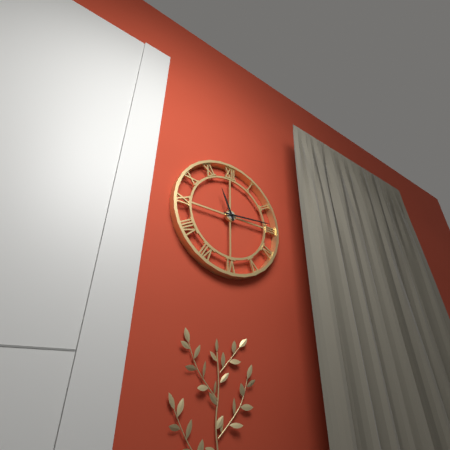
11,14
